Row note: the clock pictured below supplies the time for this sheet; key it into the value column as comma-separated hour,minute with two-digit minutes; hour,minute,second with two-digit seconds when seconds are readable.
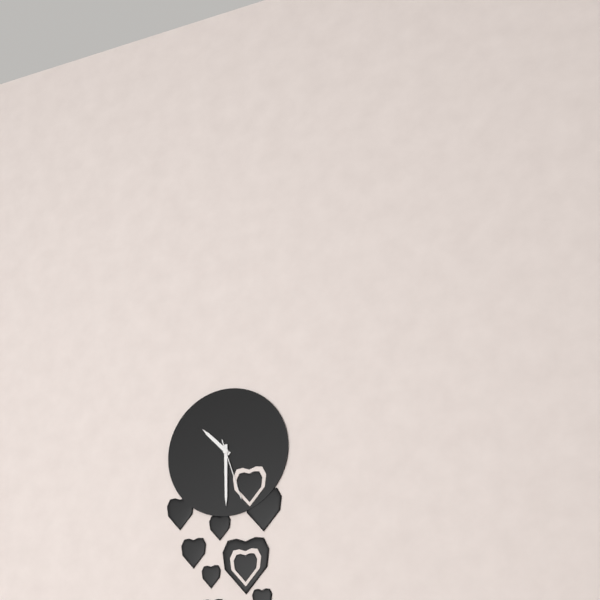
10,30,27
